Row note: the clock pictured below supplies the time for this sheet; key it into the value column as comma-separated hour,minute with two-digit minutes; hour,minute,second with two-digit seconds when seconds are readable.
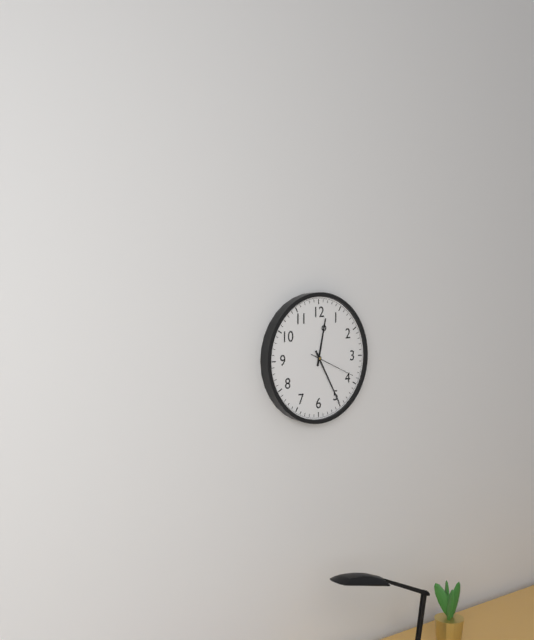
12,25
